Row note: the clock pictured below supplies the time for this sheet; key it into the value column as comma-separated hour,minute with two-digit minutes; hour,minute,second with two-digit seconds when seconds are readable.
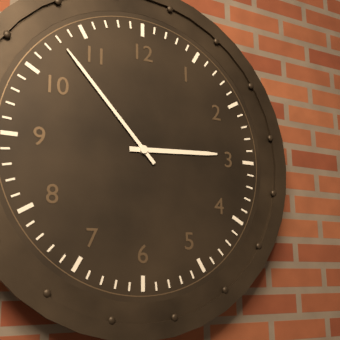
2,53
